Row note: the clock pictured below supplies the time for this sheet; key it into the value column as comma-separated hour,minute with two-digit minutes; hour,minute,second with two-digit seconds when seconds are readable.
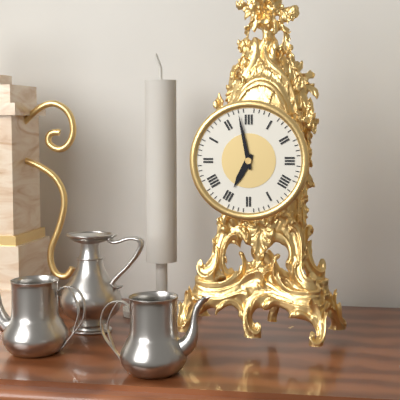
6,58
